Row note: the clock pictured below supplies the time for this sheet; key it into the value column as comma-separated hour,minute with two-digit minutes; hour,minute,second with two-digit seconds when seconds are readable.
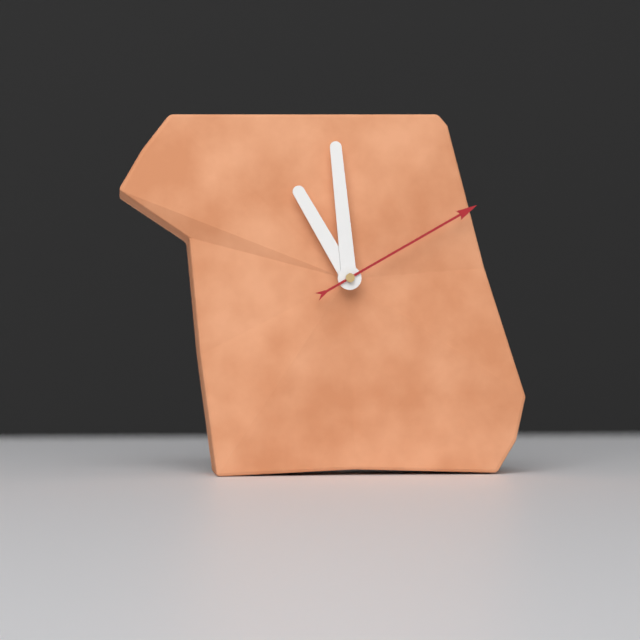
10,59,10
